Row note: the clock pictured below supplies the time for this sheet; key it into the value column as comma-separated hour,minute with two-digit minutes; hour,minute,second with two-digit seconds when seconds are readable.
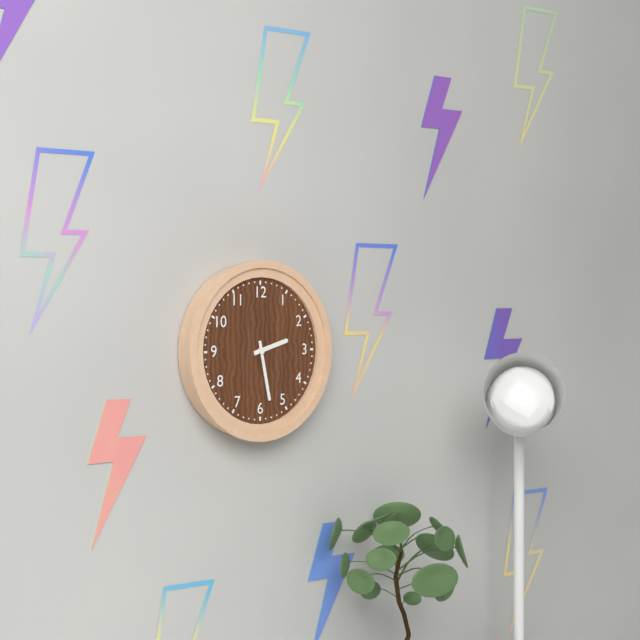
2,28
